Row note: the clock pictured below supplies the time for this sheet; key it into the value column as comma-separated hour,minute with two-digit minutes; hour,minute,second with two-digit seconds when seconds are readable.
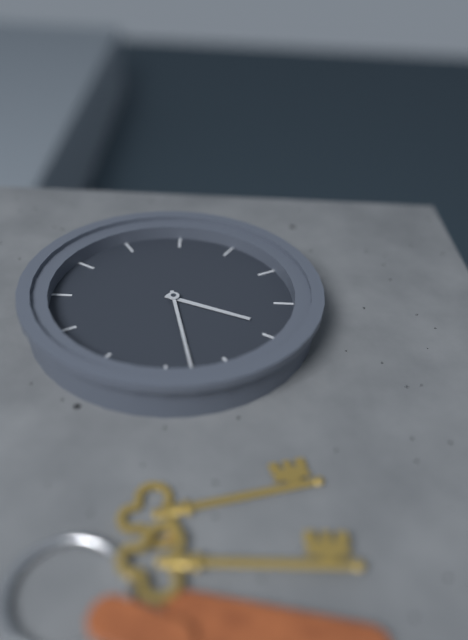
6,43
